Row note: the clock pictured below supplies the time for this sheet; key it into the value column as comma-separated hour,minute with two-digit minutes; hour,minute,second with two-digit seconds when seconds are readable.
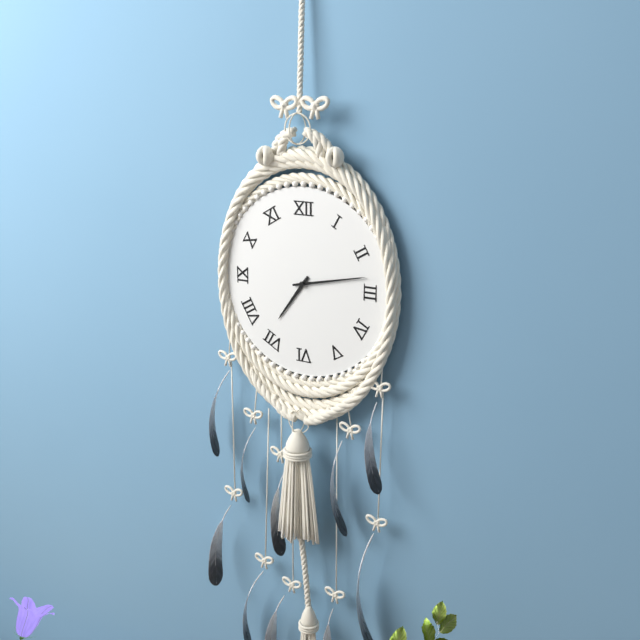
7,13
